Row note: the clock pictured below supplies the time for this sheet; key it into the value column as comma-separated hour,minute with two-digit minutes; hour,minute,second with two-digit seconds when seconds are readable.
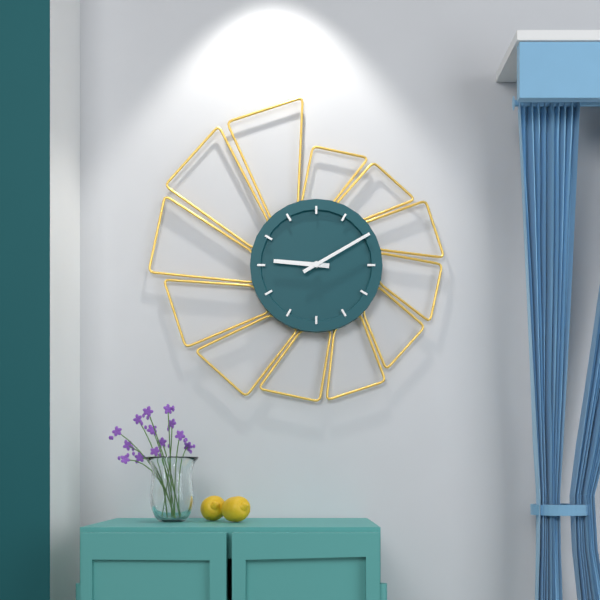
9,10
